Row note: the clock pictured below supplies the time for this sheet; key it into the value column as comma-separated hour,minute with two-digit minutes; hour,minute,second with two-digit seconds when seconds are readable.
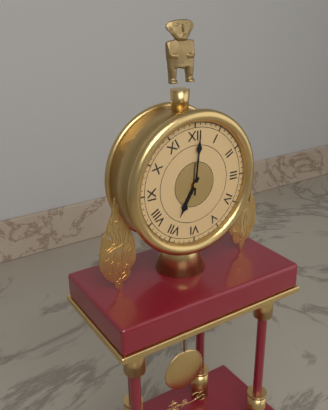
7,01
